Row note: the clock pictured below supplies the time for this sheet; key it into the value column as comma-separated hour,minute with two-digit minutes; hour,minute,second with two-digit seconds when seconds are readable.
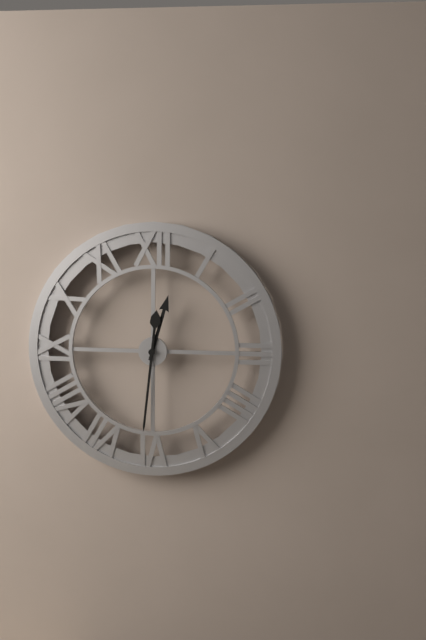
12,31
